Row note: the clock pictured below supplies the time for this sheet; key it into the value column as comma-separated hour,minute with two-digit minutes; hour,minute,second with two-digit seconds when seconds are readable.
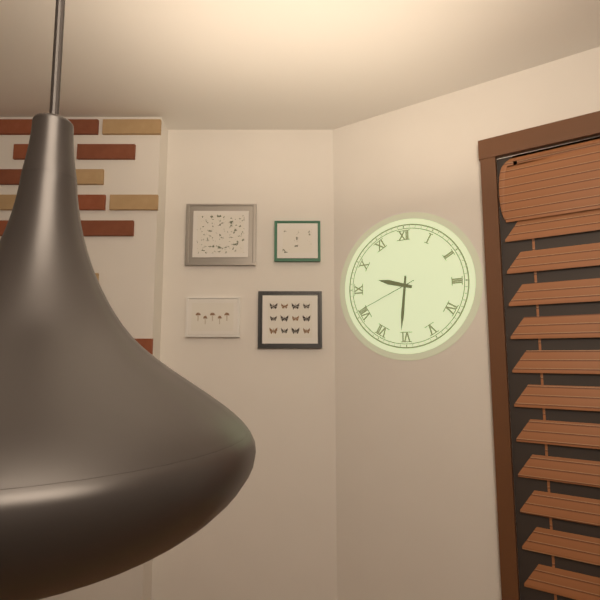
9,31,41
